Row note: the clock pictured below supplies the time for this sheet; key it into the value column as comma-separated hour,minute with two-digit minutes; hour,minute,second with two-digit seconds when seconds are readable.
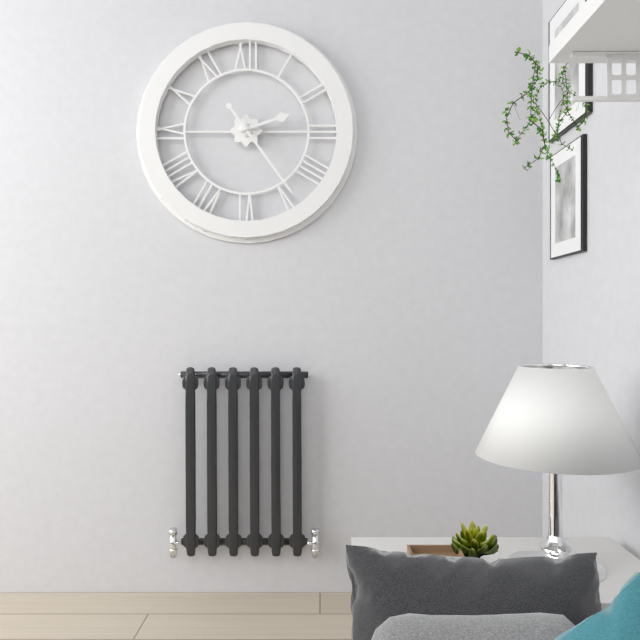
2,24
